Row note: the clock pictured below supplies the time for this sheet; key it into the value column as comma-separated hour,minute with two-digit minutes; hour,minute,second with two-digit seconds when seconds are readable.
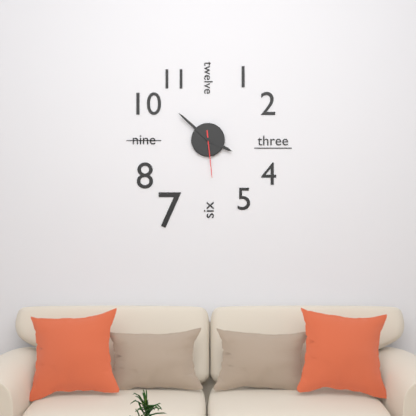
3,52
